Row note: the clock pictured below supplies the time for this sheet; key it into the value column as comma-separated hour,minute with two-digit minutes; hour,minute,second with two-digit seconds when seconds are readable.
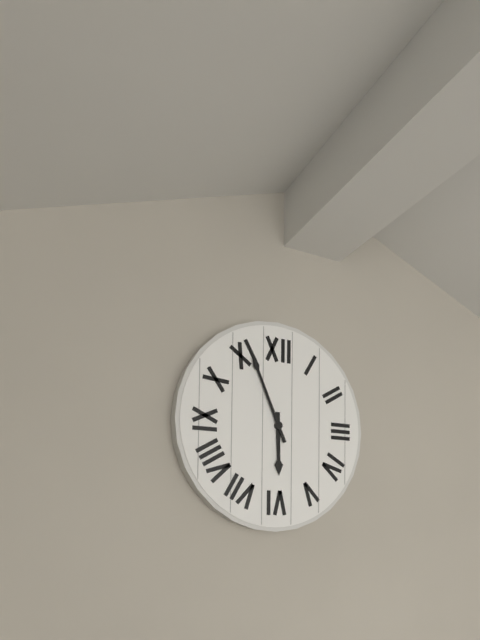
5,56
